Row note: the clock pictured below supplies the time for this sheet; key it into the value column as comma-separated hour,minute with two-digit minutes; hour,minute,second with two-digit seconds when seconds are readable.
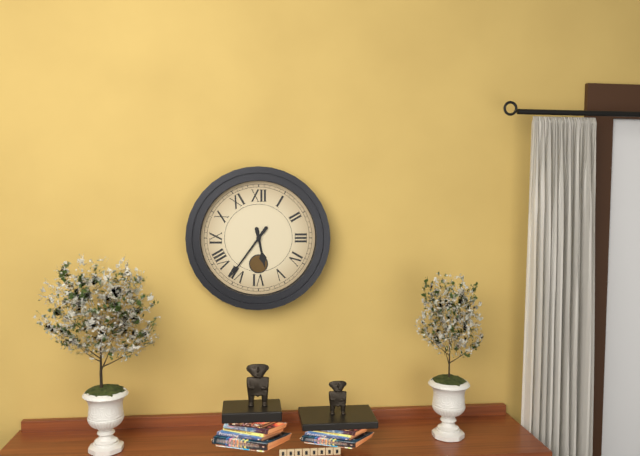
5,36
